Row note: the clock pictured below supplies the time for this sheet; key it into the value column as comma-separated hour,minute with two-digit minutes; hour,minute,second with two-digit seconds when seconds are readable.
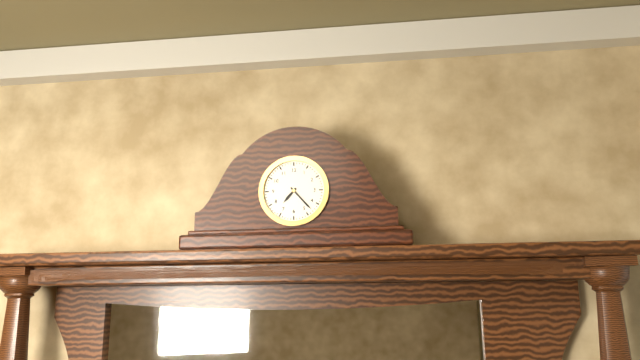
7,23
